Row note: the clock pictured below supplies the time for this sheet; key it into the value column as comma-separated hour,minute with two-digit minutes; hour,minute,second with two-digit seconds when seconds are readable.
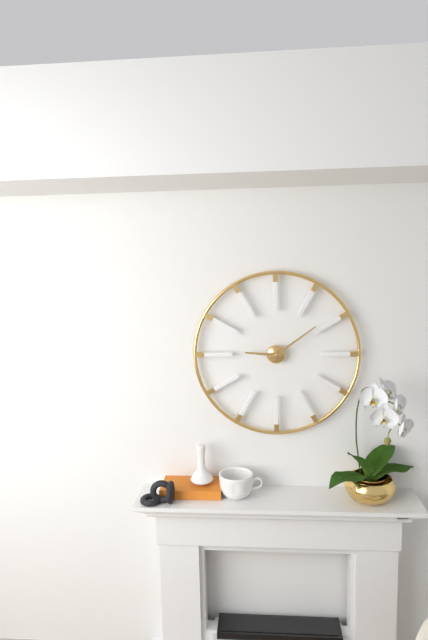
9,09
